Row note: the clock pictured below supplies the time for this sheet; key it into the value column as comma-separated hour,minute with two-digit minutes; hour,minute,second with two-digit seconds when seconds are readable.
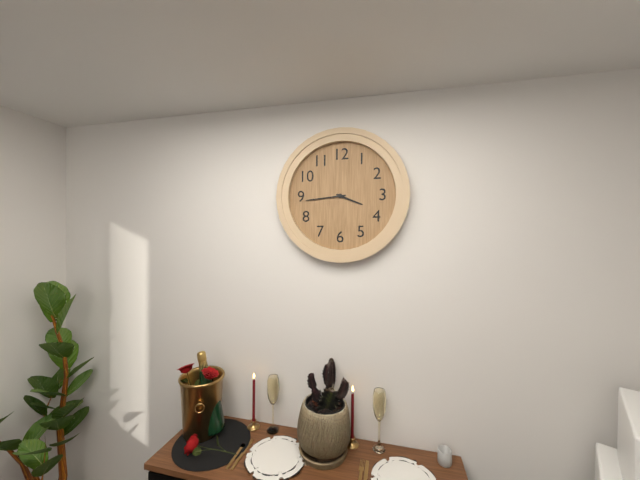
3,44
